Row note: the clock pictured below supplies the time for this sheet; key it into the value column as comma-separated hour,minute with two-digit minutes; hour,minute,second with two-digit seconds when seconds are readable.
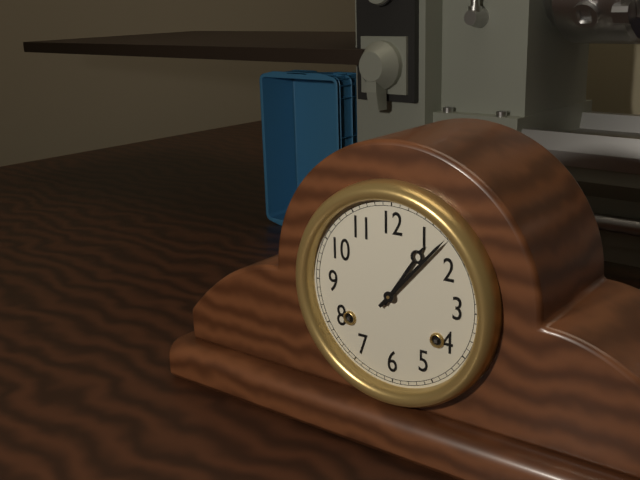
1,07
